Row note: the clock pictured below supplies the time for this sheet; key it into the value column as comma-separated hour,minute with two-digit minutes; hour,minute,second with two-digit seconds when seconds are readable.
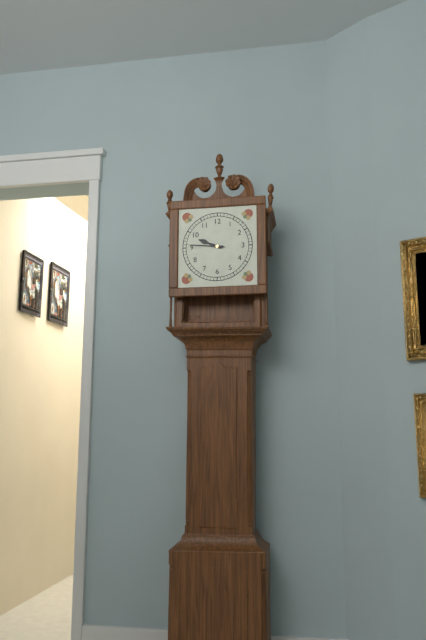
9,46
